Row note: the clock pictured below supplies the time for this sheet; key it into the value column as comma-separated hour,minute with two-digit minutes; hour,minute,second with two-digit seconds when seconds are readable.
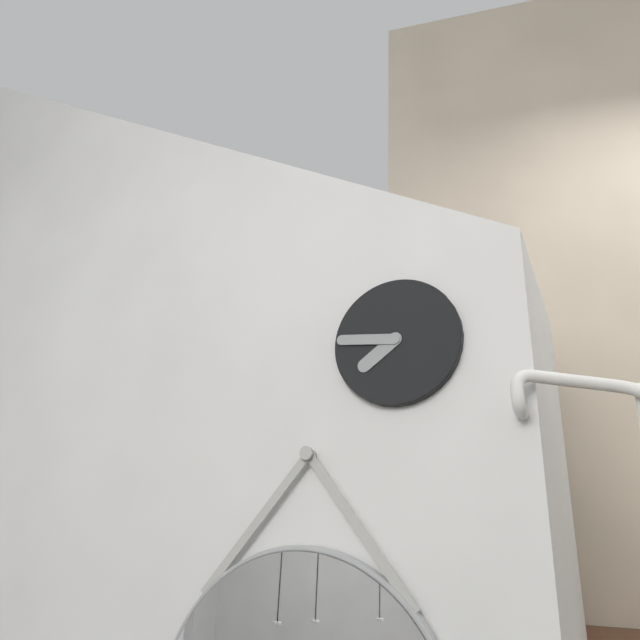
7,46
